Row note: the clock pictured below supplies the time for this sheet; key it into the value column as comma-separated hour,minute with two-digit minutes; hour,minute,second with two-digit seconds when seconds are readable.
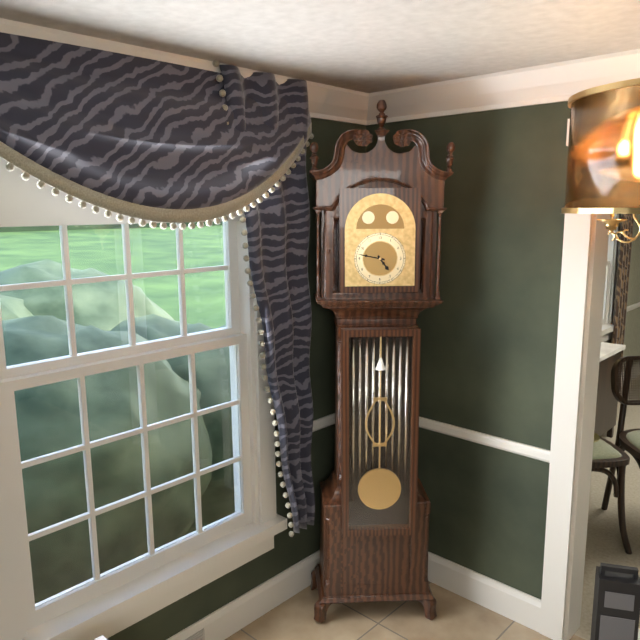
4,47
